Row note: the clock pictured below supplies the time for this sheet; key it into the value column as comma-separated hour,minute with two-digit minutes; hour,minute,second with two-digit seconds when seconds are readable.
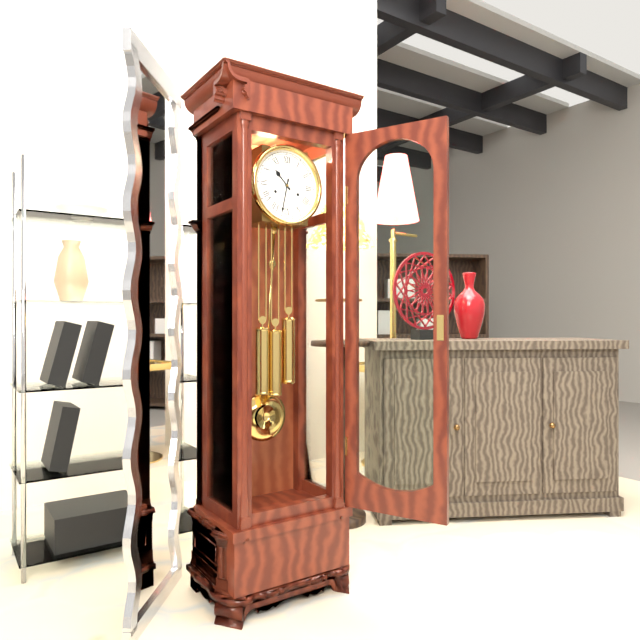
10,32
